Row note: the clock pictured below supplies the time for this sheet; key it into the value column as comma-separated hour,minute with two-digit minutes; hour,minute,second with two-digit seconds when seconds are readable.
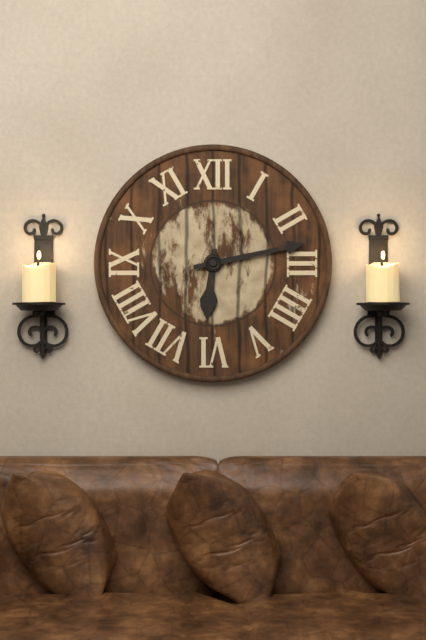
6,13
